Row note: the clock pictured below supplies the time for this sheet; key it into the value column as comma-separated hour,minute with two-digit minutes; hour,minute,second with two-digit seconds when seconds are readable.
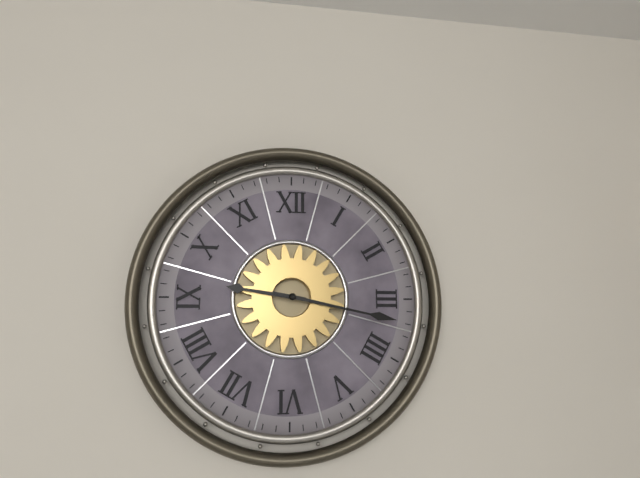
9,17
